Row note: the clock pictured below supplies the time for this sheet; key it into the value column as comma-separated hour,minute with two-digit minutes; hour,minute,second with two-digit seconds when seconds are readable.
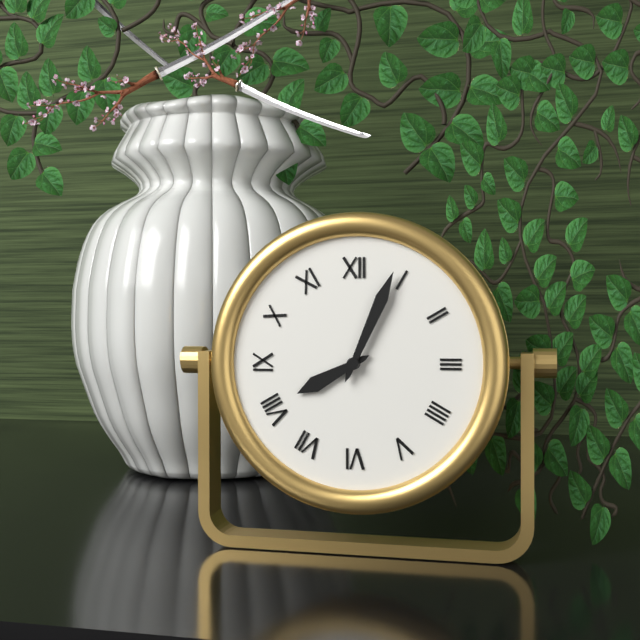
8,04
